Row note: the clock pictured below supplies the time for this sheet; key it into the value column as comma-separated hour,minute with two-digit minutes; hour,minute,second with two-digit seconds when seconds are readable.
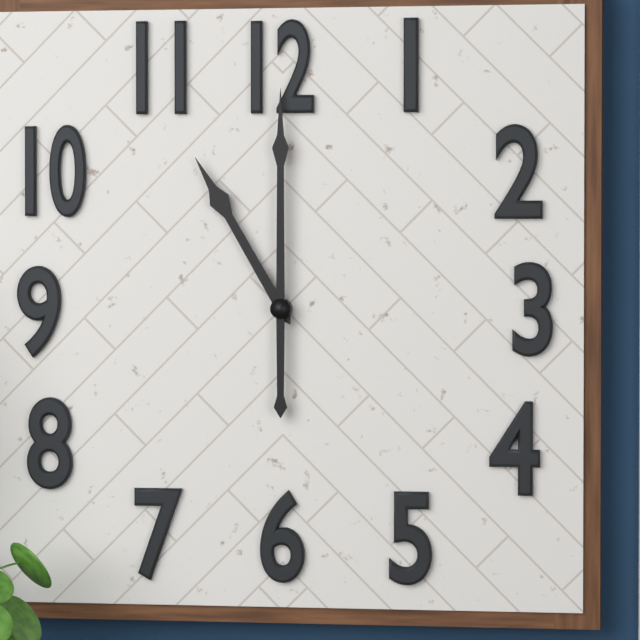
11,00
